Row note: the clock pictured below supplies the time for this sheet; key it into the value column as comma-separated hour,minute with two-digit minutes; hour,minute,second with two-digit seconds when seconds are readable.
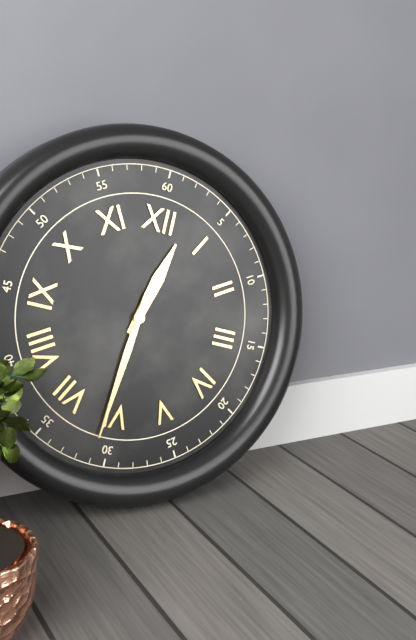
12,31
